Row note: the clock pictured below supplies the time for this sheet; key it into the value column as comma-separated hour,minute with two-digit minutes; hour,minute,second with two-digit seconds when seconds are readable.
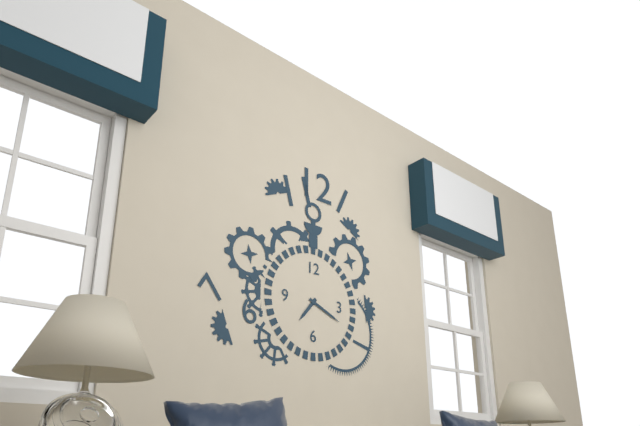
7,19
